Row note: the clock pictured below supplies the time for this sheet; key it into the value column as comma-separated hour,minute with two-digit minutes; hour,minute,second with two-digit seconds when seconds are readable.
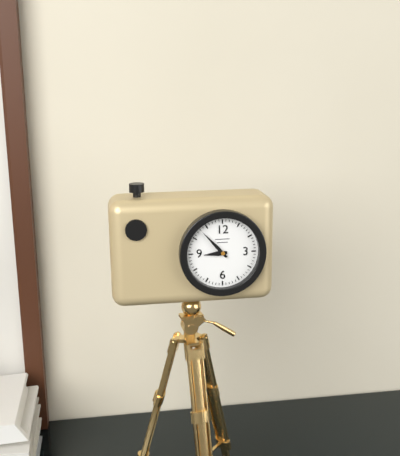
8,53
